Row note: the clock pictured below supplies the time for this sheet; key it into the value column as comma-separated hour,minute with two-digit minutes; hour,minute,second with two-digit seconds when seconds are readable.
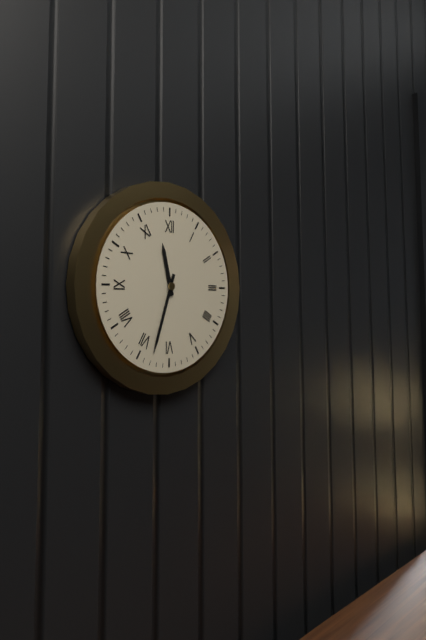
11,33
